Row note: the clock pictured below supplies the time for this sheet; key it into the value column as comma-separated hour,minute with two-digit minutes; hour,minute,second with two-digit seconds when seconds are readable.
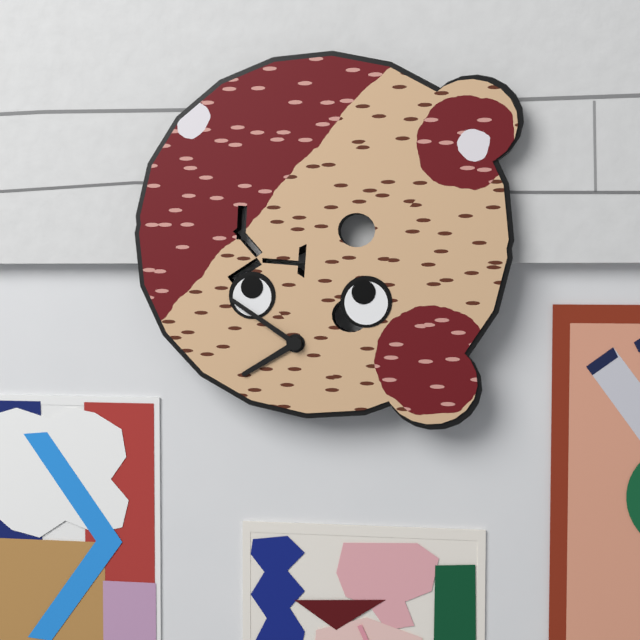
7,50
